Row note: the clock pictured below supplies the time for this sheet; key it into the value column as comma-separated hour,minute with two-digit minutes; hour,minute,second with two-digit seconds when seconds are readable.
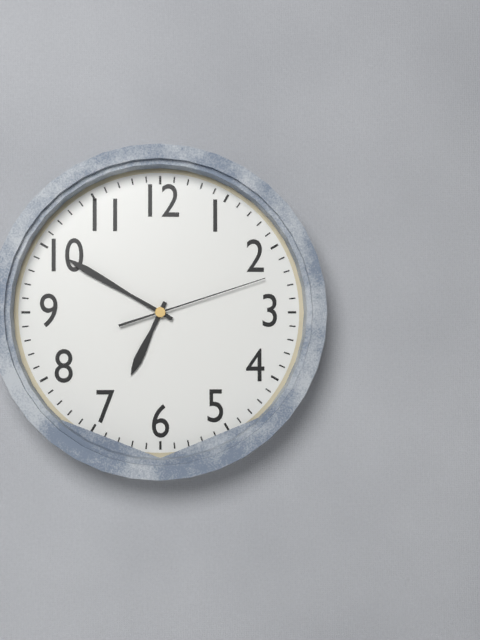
6,50,12
